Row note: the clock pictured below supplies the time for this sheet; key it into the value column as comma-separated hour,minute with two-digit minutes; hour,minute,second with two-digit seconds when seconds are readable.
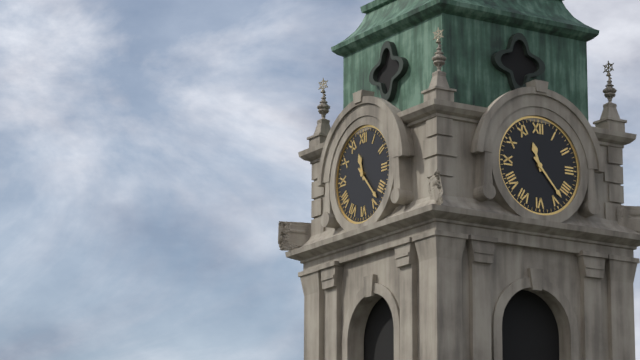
11,23
